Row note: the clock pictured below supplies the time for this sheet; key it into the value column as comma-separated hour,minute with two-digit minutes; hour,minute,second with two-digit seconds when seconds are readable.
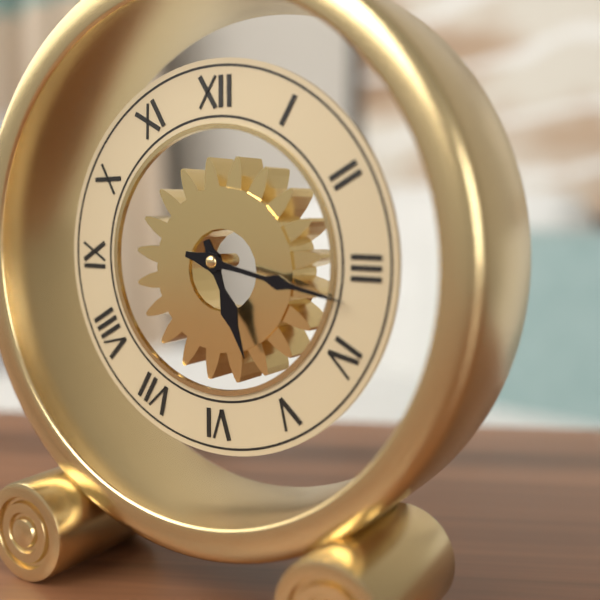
5,17
